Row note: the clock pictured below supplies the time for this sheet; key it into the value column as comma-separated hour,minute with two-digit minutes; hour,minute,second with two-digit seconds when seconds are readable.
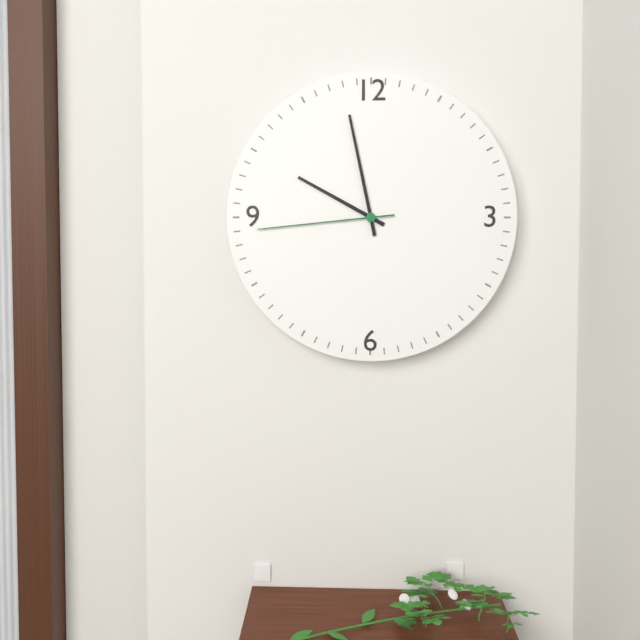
9,58,44
